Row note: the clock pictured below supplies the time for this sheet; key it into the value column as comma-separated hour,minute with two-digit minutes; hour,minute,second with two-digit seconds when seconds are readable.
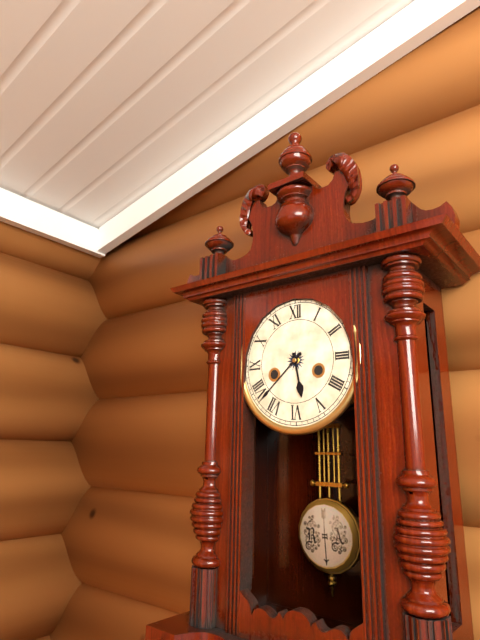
5,38
